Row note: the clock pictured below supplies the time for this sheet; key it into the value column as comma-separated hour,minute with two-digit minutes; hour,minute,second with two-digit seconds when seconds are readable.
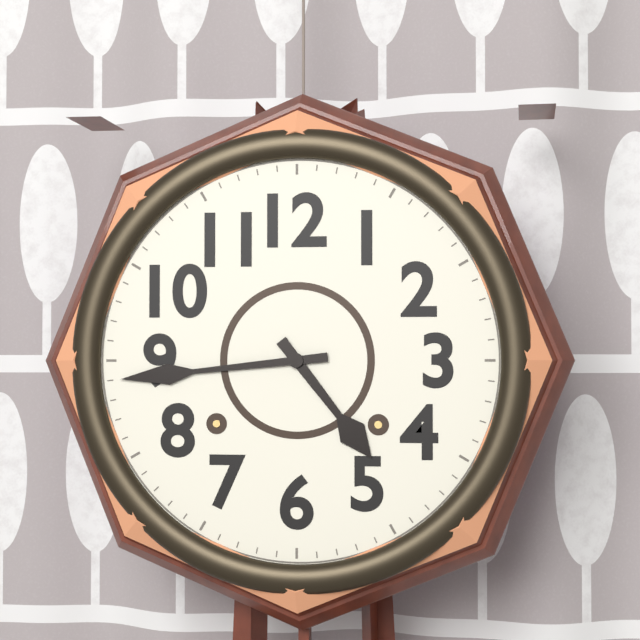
4,44
